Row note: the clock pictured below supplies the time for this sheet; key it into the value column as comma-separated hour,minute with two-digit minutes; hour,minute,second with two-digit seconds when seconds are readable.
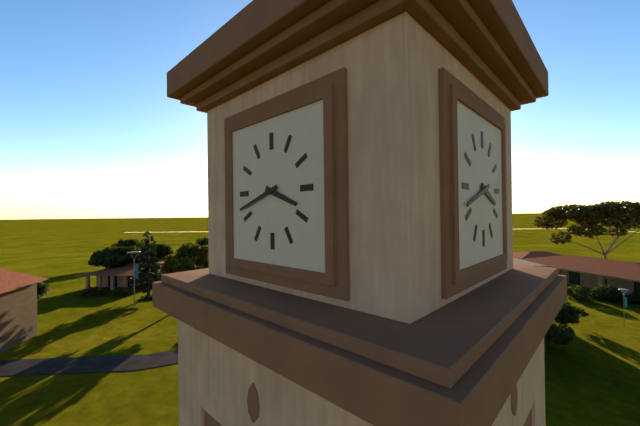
3,42
